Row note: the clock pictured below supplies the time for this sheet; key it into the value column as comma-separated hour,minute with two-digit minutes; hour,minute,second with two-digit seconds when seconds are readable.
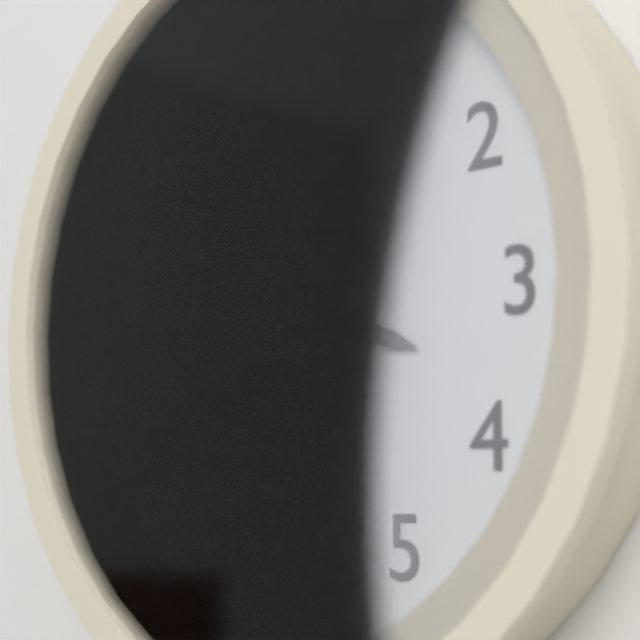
3,37,00
